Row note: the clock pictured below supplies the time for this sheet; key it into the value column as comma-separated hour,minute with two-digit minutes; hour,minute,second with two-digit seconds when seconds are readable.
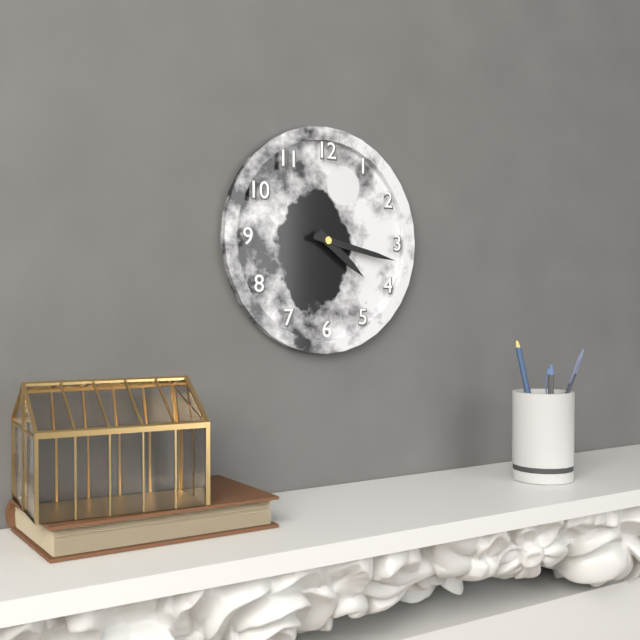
4,17
